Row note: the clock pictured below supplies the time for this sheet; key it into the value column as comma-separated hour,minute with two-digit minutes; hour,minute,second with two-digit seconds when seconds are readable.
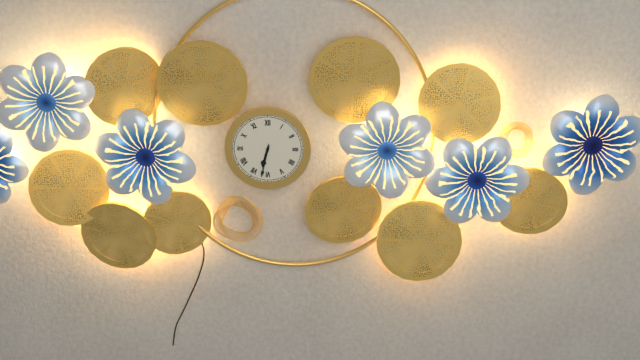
6,32
